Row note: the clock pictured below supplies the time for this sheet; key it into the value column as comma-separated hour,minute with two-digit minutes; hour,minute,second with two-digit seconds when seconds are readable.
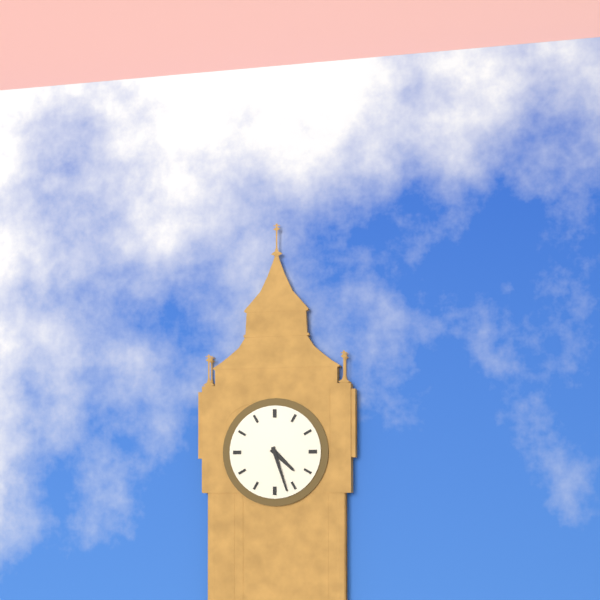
4,27
